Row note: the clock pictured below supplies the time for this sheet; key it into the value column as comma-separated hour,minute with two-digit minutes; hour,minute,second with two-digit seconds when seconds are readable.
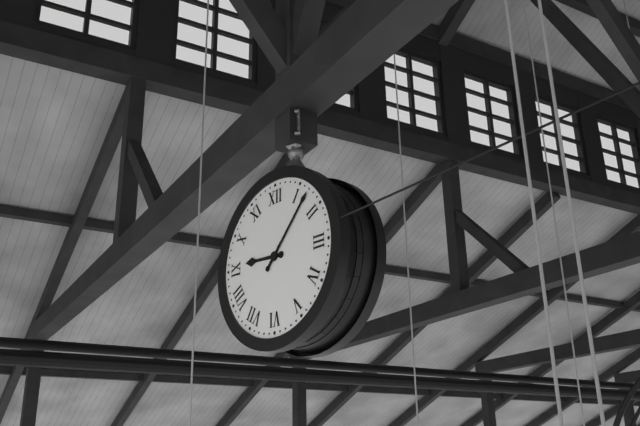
9,07
